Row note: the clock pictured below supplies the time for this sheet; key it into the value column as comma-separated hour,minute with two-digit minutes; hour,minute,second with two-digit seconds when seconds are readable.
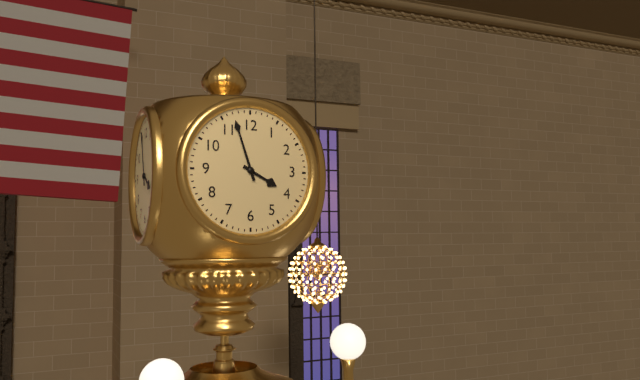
3,57
